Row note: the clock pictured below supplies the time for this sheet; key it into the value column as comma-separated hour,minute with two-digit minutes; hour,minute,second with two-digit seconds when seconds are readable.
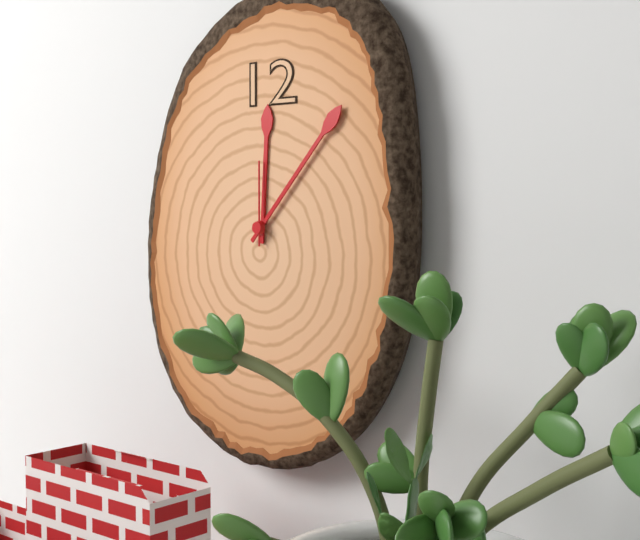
12,07,00
